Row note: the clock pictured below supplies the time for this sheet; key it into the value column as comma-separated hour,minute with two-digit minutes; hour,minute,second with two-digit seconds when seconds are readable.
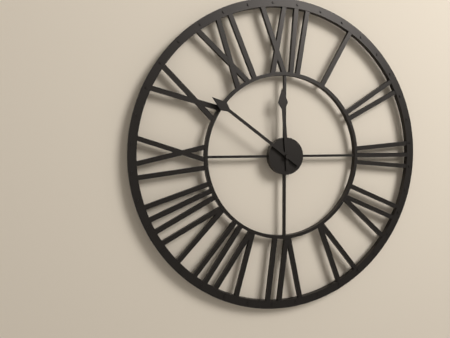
11,51
